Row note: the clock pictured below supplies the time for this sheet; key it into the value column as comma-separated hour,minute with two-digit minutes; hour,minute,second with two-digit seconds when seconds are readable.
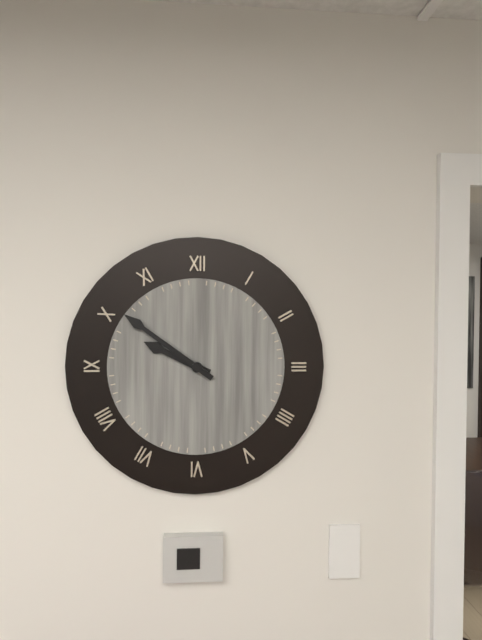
9,51
